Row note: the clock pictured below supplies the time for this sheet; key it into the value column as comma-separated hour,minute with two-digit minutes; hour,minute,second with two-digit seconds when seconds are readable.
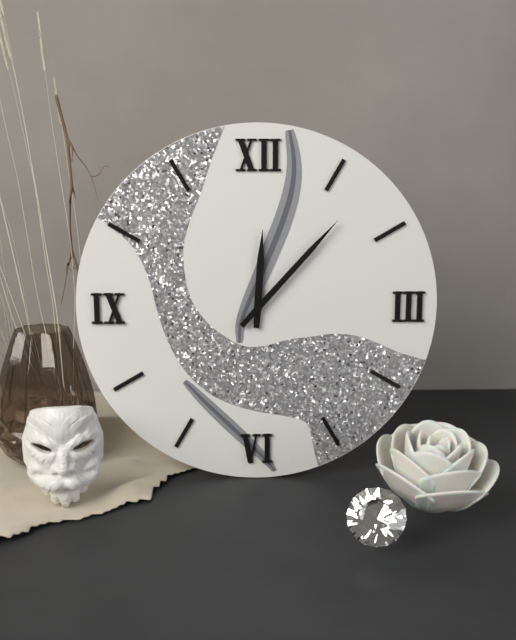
12,07
